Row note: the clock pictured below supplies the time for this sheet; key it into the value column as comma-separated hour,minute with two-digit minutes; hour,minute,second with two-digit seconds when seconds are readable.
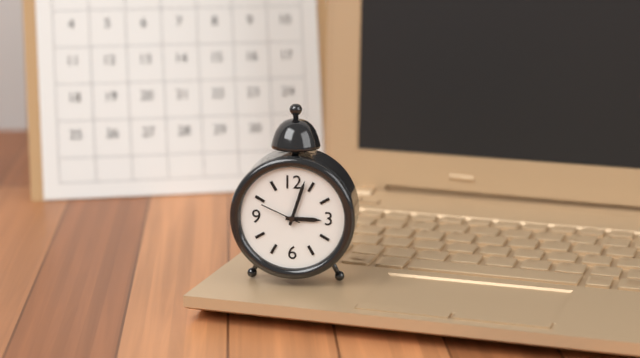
3,03
